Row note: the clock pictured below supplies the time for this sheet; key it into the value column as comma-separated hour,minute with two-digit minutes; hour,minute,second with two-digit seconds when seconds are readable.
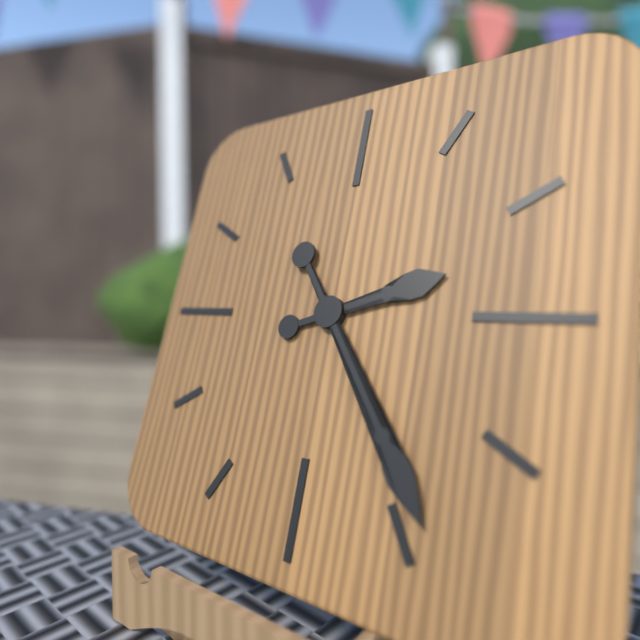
2,24
